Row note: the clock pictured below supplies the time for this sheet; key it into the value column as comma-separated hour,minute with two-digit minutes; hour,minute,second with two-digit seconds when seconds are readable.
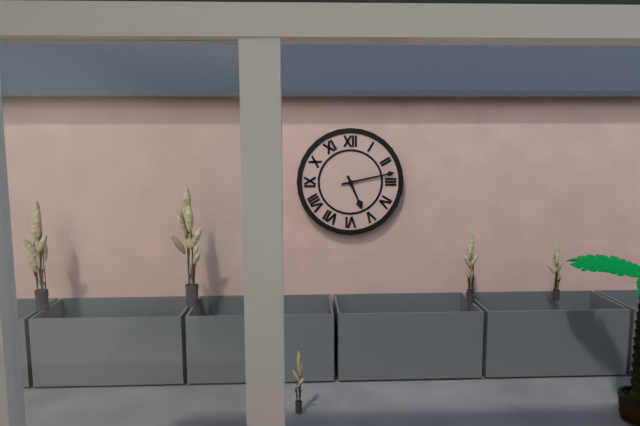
5,13
